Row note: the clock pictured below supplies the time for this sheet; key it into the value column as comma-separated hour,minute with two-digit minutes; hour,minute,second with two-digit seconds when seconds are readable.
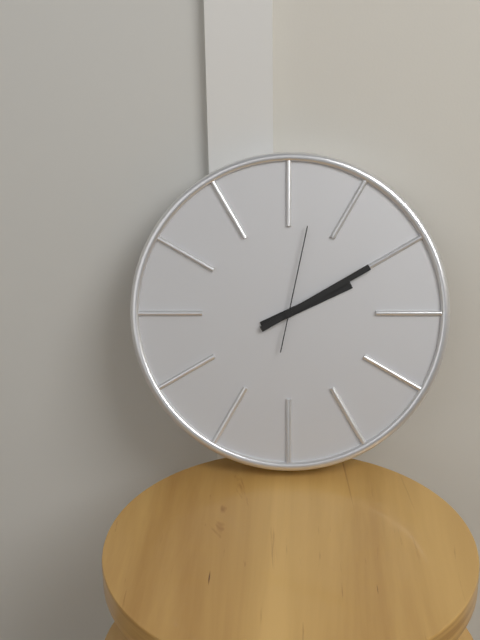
2,10,02
